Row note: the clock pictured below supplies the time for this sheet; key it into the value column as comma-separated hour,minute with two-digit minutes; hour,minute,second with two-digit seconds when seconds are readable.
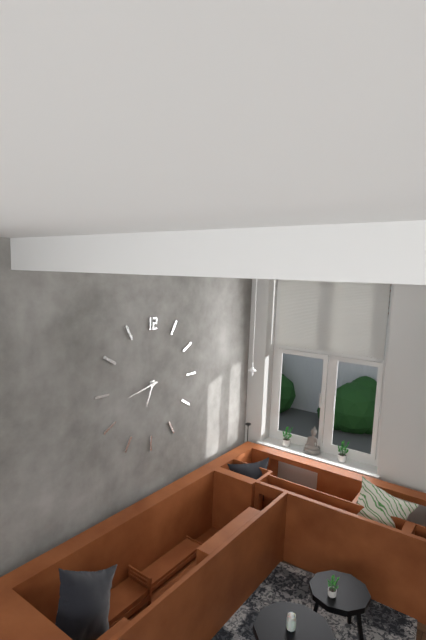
6,43
